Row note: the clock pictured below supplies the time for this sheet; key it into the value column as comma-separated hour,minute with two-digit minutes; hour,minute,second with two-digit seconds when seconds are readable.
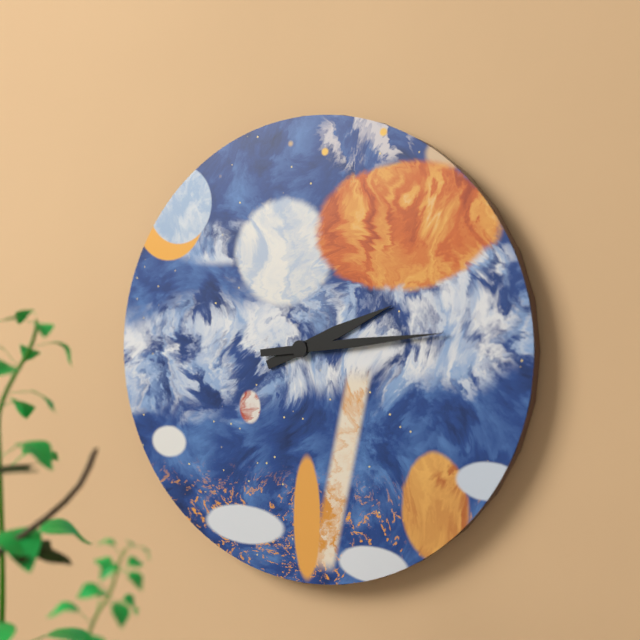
2,14
